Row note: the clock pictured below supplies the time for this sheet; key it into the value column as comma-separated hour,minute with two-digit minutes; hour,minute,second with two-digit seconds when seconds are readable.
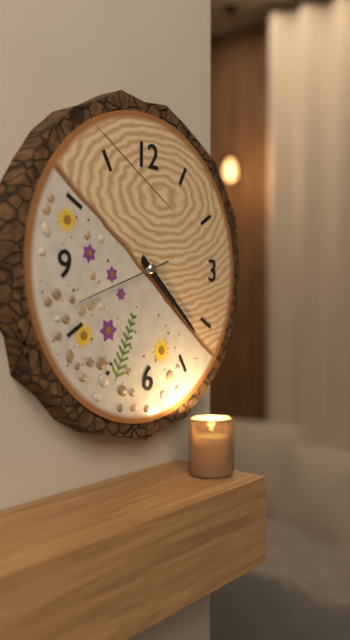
4,22,42
